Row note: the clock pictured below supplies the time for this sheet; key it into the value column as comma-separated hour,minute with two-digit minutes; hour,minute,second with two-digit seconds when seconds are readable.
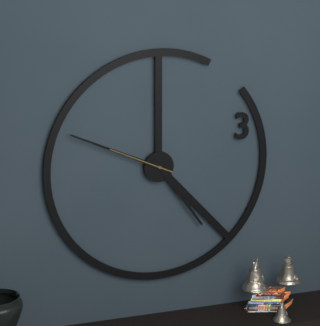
4,49,49
